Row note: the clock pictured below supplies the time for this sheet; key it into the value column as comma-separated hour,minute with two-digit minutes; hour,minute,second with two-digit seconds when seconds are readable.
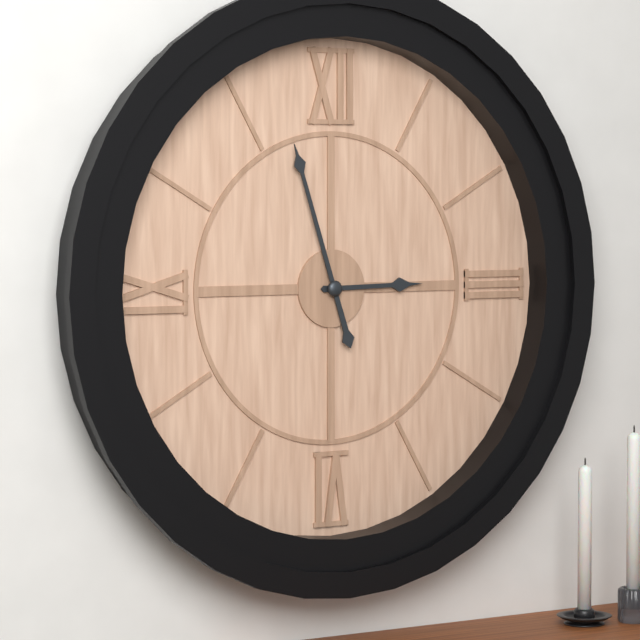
2,57
